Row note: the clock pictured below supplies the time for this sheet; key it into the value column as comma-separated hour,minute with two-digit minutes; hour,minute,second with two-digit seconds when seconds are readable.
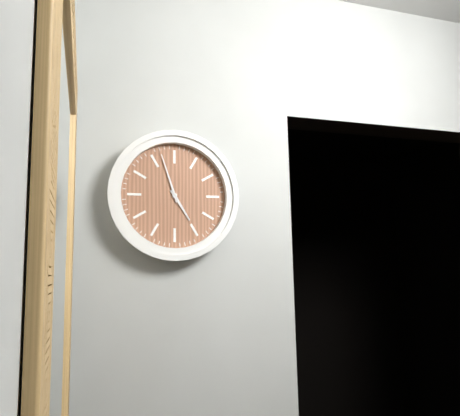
4,57
